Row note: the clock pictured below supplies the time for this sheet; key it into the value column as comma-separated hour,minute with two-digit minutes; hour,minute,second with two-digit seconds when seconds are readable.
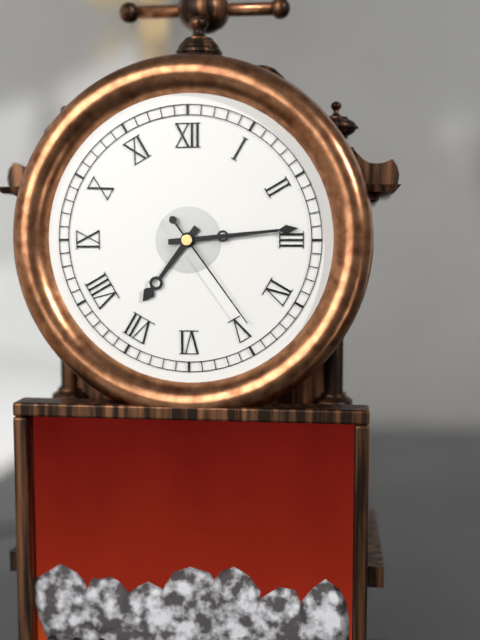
7,14,24
